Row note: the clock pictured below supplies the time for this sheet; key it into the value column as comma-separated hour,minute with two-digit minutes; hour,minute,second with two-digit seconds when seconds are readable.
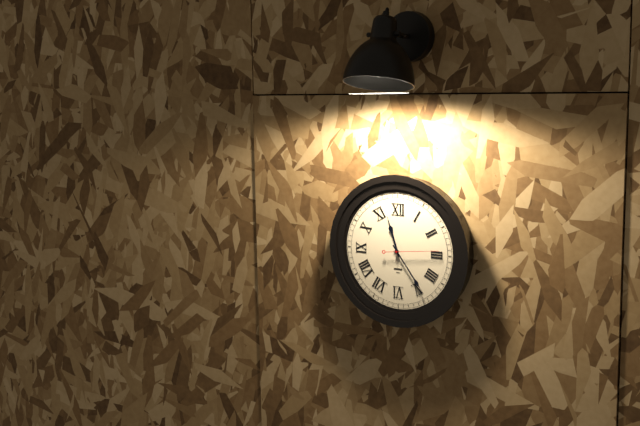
11,24,14
